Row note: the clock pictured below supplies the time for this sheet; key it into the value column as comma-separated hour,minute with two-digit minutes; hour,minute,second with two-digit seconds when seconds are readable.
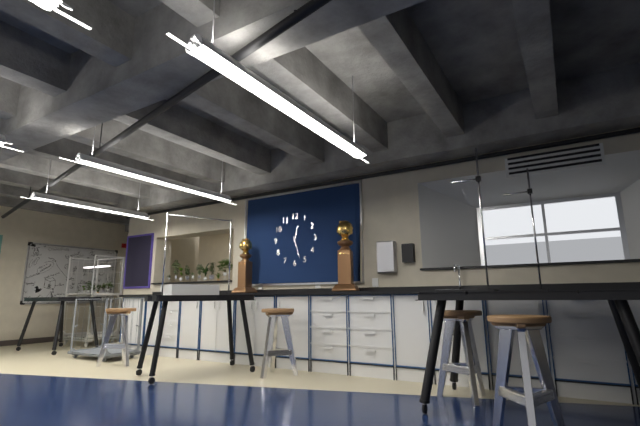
12,27
